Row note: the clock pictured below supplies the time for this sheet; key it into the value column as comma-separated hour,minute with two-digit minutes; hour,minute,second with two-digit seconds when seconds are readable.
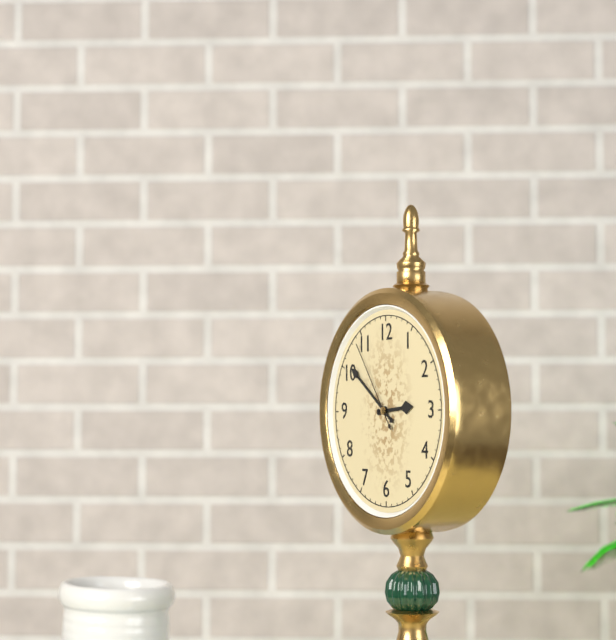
2,51,54
